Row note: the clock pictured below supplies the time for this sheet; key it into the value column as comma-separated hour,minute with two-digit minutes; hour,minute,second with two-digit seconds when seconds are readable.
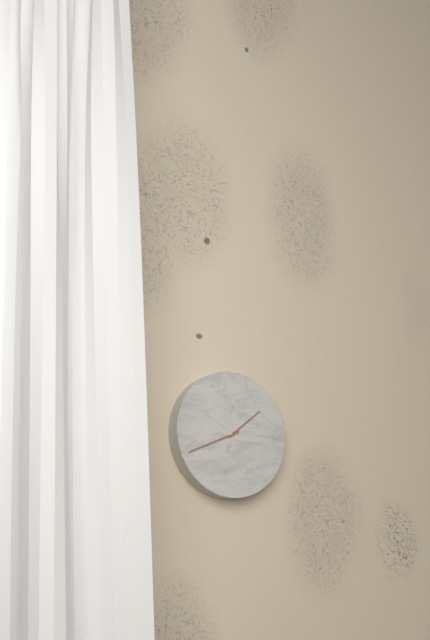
1,41
